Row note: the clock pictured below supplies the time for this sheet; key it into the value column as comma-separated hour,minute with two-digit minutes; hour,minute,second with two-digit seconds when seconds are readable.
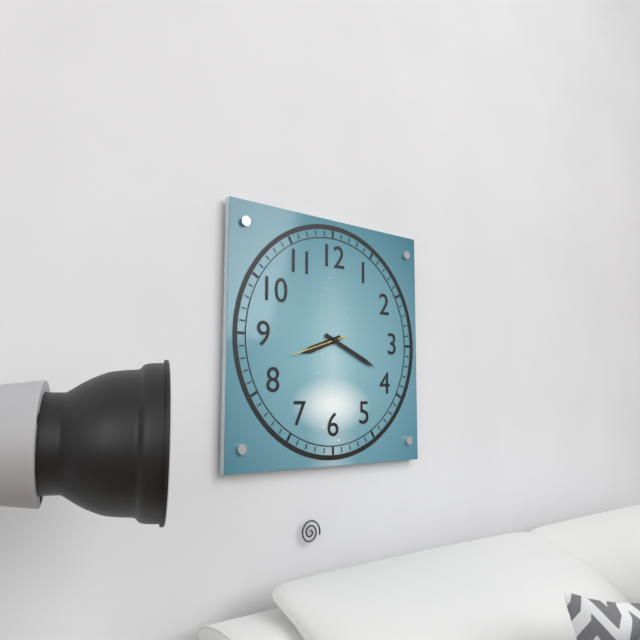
8,19,42
